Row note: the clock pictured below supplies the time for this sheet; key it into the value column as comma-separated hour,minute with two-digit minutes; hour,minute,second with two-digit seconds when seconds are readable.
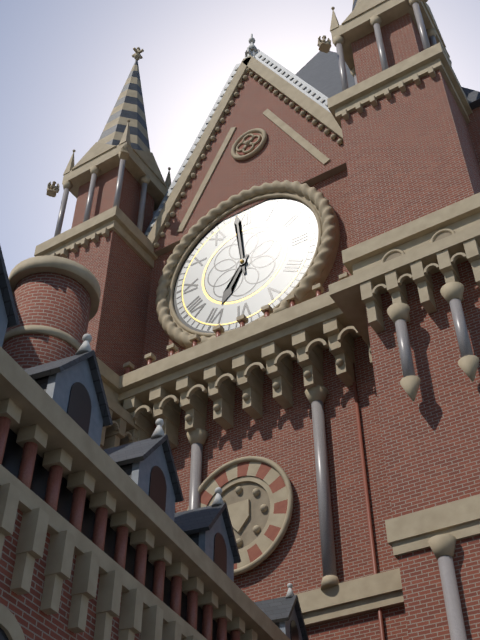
6,59
